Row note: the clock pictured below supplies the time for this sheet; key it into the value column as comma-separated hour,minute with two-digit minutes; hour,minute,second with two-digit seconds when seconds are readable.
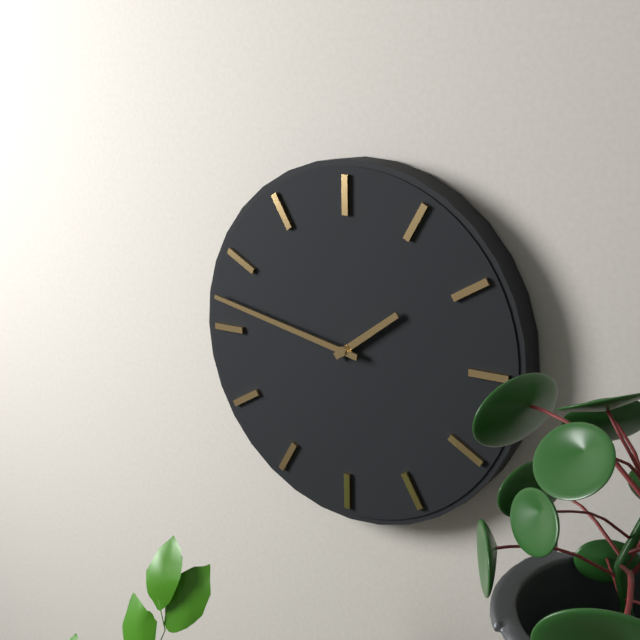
1,47
